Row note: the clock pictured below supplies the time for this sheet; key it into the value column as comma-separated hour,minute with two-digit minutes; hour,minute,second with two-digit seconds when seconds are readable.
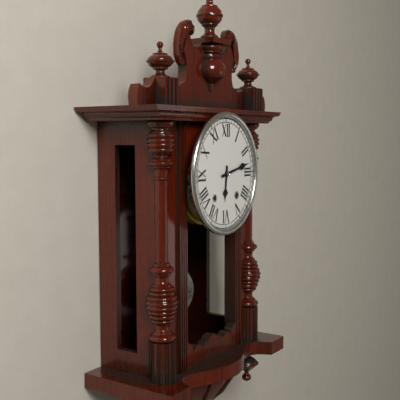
6,13
